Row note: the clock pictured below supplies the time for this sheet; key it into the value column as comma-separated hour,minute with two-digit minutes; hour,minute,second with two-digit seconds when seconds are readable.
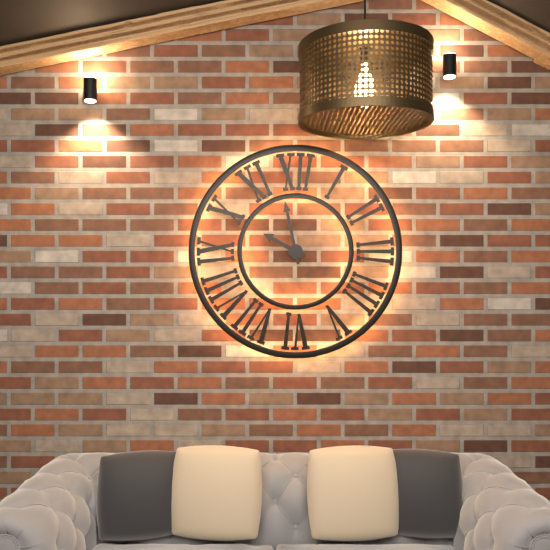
9,58
